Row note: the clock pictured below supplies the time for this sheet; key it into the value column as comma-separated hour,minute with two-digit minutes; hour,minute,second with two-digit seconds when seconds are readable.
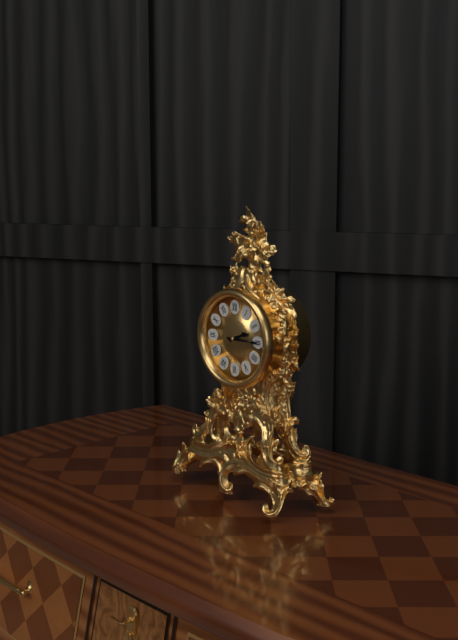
2,15
